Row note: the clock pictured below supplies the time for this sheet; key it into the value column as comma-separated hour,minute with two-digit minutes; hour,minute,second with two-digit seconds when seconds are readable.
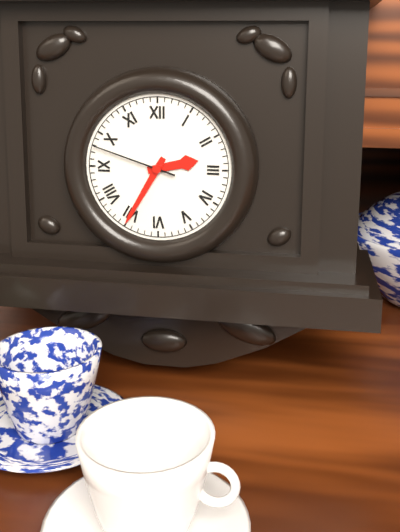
2,35,48
